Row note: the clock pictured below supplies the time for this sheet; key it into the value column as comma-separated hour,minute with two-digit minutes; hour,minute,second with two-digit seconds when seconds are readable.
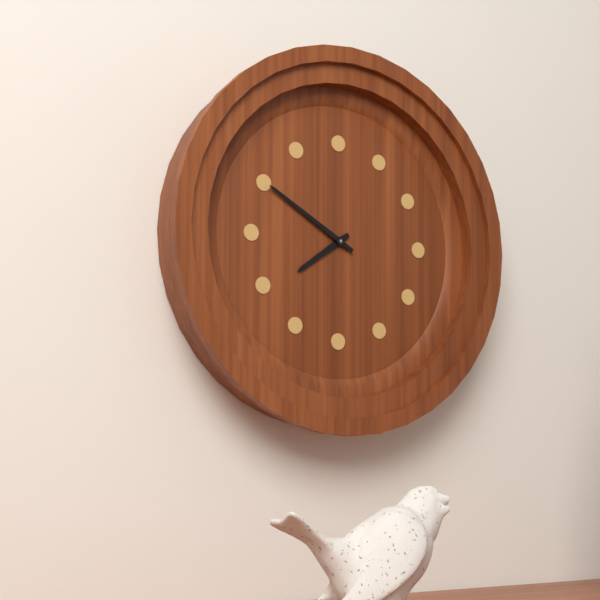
7,50
